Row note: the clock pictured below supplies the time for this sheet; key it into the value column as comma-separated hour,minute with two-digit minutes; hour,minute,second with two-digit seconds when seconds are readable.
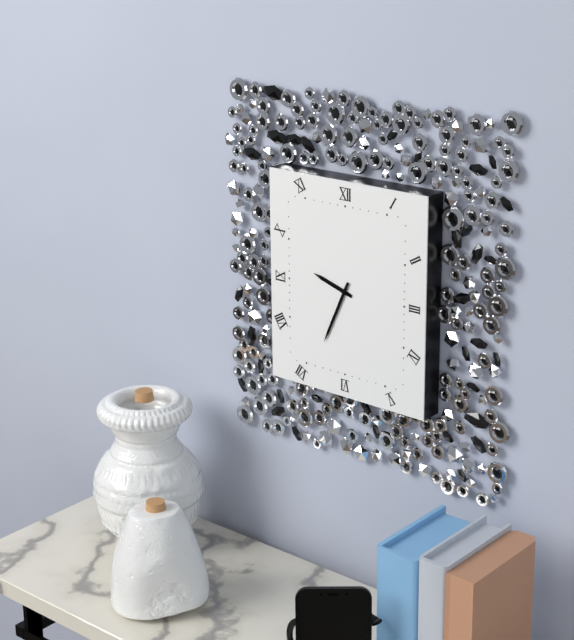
9,34
